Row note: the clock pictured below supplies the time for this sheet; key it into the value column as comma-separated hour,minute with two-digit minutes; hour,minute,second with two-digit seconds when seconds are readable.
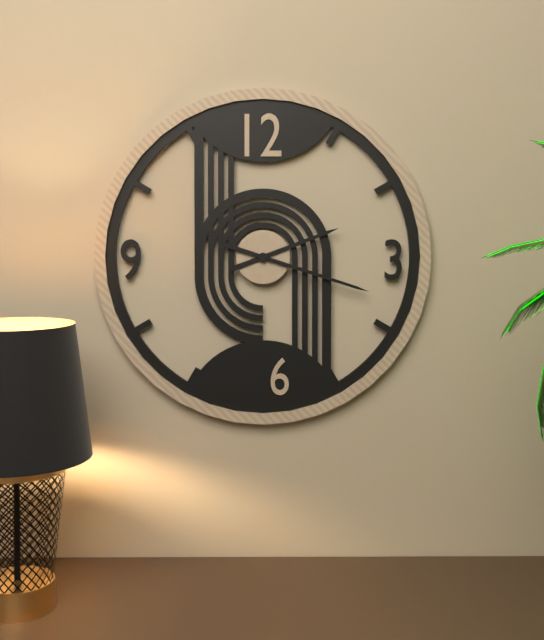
2,18
